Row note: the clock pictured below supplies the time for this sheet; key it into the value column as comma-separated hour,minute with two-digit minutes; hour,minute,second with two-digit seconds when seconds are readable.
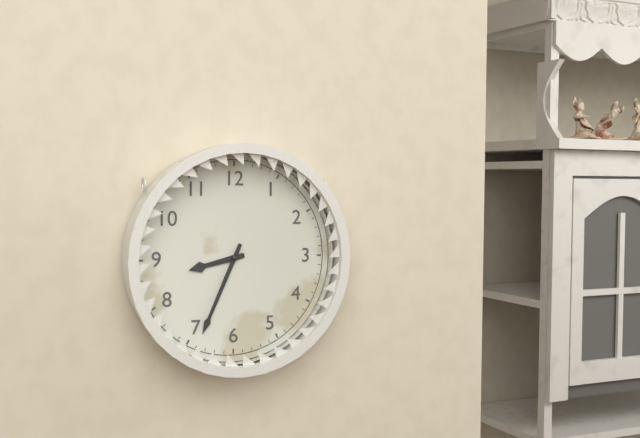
8,34
